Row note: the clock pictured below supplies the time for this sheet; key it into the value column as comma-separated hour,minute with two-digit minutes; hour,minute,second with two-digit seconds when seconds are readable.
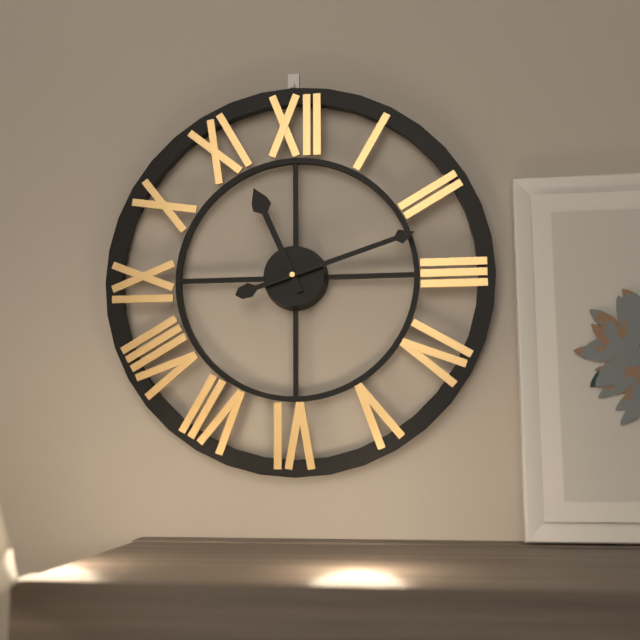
11,12
